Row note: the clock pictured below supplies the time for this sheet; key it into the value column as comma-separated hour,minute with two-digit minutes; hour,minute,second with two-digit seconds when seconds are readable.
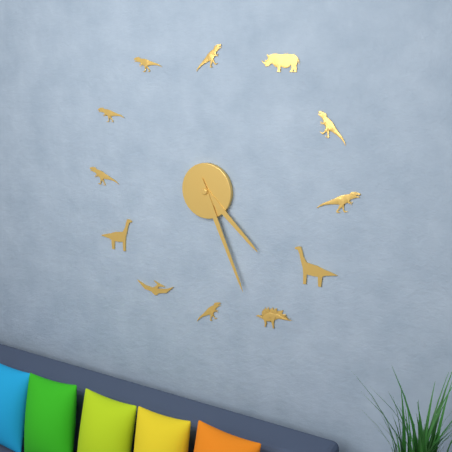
4,26
